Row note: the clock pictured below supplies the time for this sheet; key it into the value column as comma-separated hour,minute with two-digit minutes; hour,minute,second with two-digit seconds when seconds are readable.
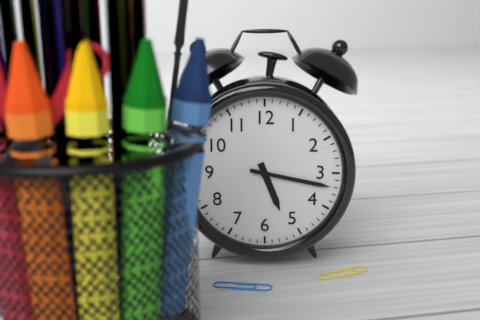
5,17
